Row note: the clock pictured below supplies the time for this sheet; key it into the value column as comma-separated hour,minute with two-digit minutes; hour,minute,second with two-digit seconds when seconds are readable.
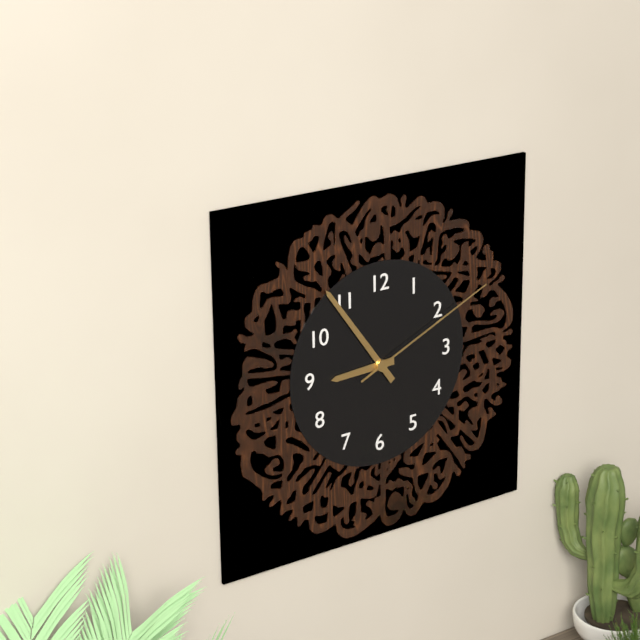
8,54,11
